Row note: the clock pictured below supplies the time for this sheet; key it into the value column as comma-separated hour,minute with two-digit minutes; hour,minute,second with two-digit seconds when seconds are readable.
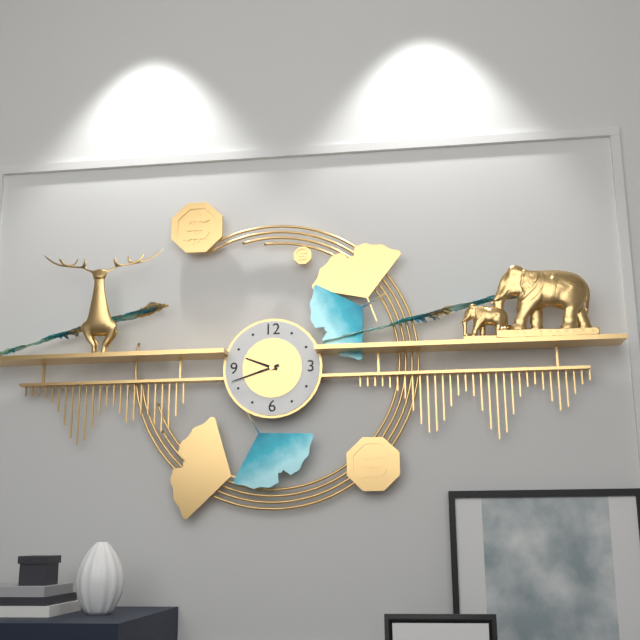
9,42
